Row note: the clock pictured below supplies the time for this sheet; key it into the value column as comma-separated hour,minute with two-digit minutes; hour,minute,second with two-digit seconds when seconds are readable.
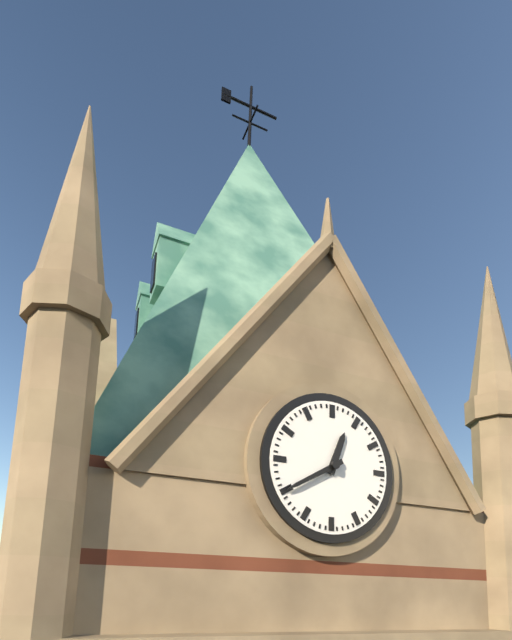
12,40
